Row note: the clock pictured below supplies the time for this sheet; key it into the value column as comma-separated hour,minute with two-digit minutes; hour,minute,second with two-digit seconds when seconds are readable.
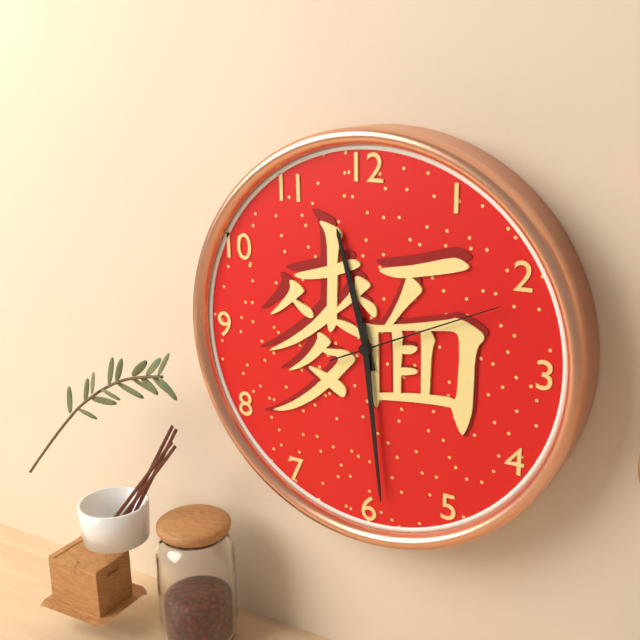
11,29,11
